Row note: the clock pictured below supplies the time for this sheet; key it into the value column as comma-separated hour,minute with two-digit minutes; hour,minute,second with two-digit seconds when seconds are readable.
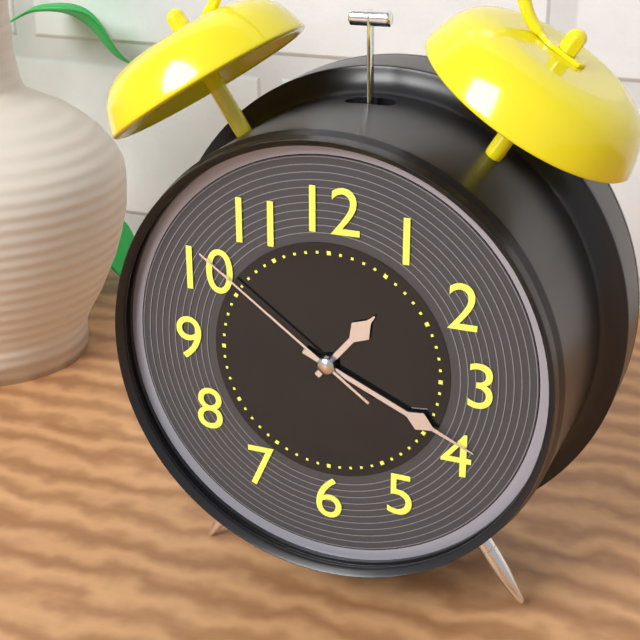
1,19,51
